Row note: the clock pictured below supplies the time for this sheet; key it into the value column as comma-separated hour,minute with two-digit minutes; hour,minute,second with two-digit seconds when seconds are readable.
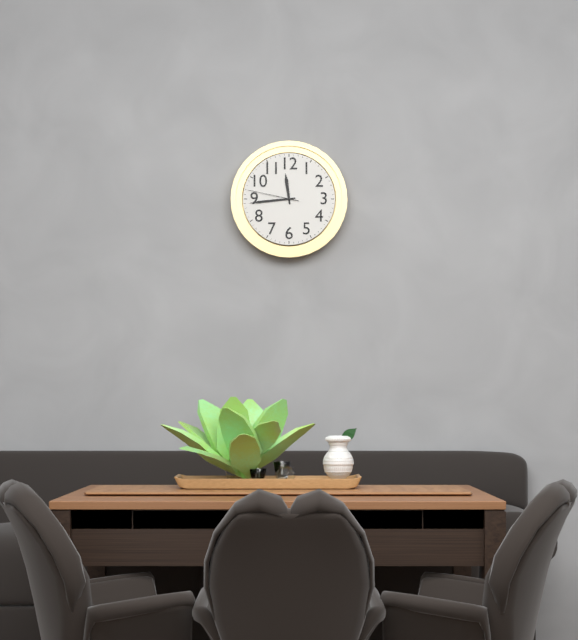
11,44,47
